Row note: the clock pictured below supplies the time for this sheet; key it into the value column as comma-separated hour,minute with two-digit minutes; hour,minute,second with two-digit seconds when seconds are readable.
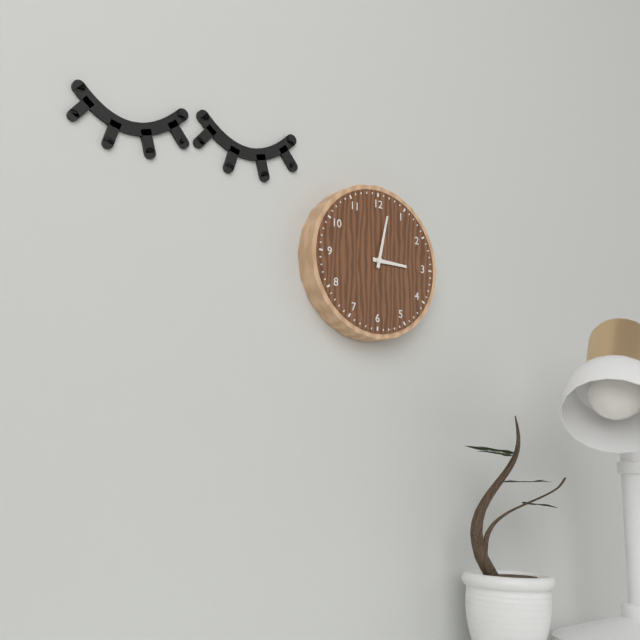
3,02
